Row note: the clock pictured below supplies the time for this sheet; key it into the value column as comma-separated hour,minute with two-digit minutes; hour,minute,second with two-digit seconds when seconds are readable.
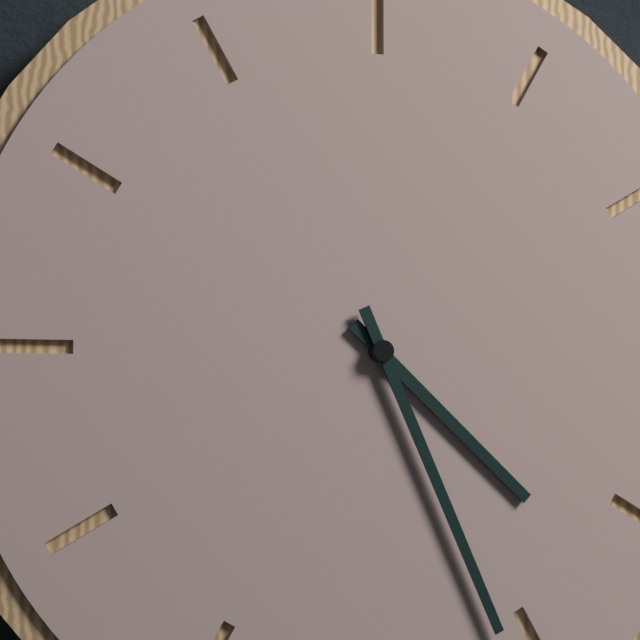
4,26
